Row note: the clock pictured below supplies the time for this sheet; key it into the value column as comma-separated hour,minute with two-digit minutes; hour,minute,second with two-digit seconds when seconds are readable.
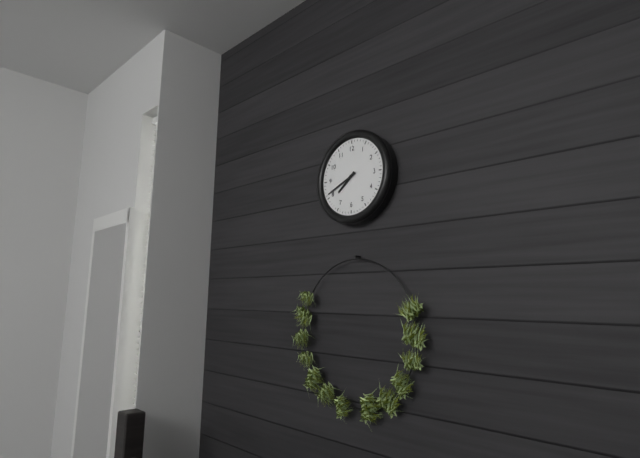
7,41
